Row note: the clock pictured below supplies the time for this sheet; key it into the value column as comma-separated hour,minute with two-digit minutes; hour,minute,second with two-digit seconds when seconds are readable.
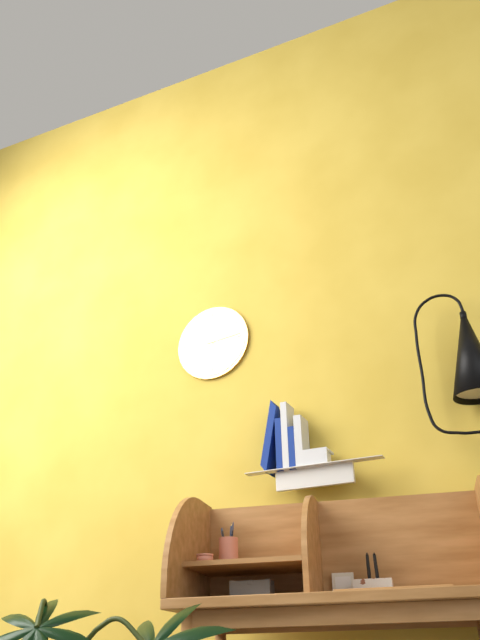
10,14
